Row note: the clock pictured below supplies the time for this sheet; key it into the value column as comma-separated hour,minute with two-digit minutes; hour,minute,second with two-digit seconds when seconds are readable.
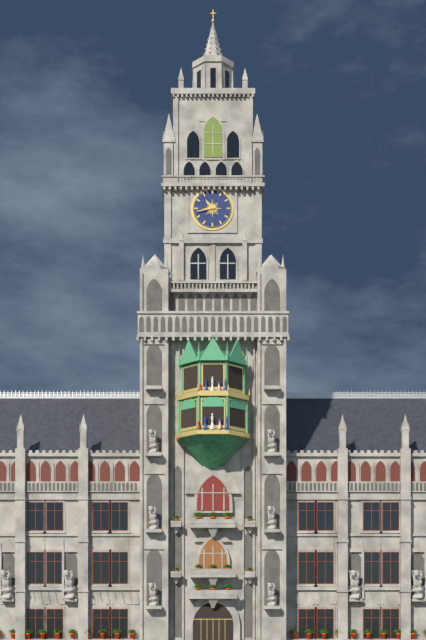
10,43
